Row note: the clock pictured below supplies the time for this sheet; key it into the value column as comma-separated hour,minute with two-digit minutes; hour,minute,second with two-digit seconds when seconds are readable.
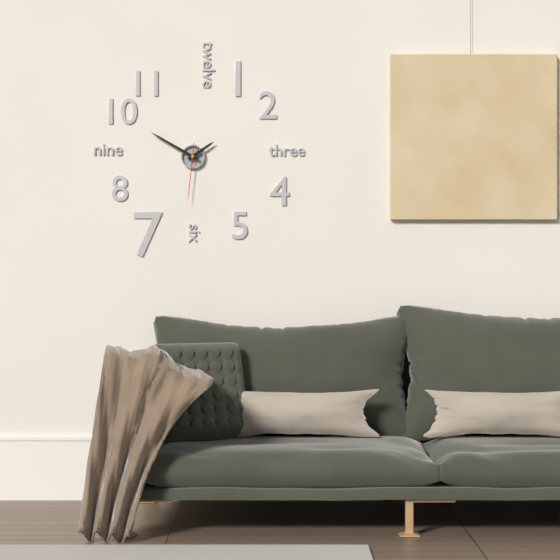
1,50,31
